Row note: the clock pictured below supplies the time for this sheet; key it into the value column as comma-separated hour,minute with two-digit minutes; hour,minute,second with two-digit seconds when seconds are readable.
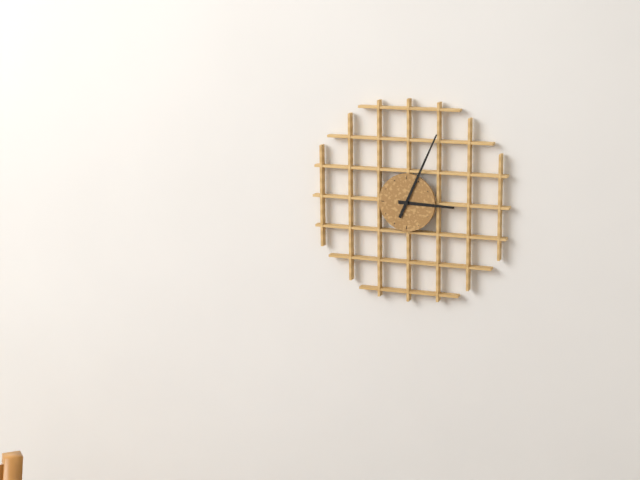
3,04
